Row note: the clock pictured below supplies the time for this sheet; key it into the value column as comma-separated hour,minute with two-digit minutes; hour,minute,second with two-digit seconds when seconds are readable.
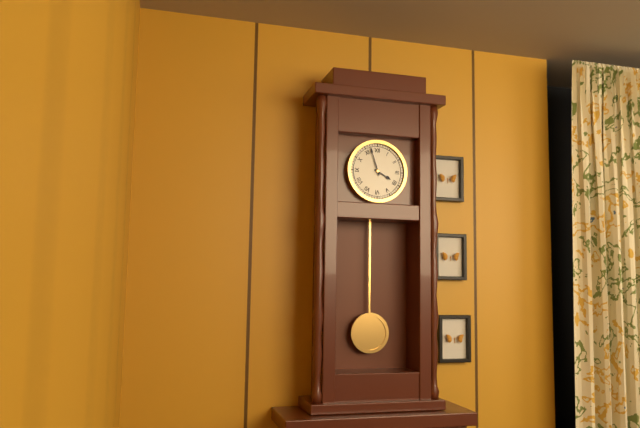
3,57
